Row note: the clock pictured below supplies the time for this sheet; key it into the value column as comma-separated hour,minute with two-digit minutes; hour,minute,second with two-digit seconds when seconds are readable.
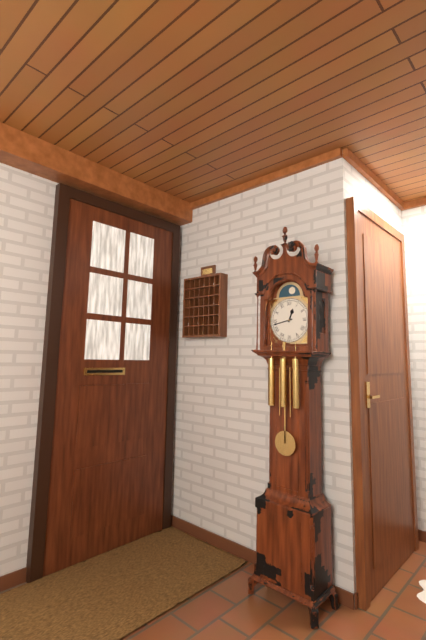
12,43
